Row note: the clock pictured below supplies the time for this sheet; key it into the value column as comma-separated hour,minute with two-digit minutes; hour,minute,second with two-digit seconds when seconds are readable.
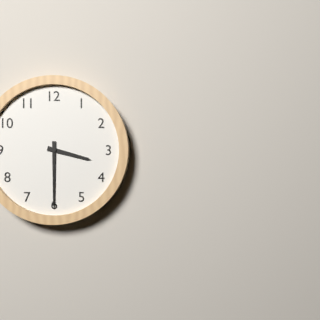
3,30
